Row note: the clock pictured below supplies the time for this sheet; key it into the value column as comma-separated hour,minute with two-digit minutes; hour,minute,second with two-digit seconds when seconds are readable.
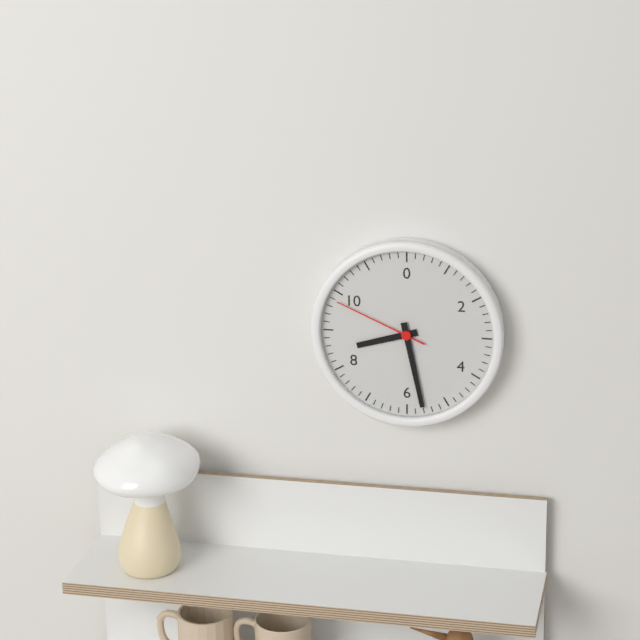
8,28,49
